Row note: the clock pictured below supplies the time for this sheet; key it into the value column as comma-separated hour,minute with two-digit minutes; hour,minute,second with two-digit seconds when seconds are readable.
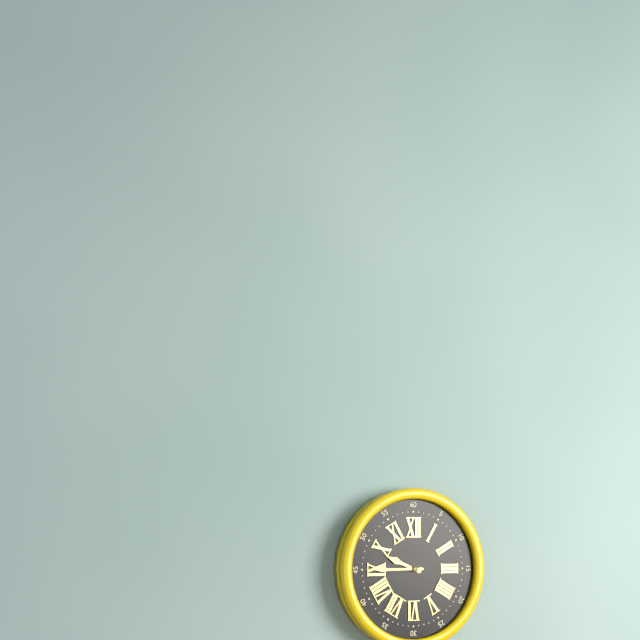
9,45
